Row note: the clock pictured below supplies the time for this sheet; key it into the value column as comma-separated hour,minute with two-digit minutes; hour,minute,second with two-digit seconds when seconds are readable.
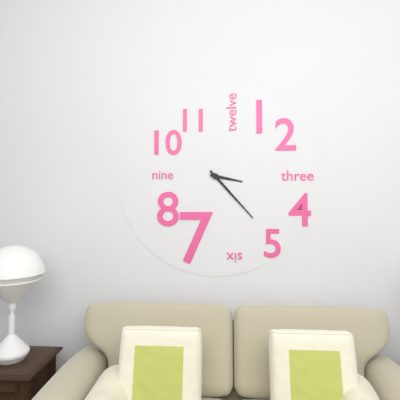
3,23
